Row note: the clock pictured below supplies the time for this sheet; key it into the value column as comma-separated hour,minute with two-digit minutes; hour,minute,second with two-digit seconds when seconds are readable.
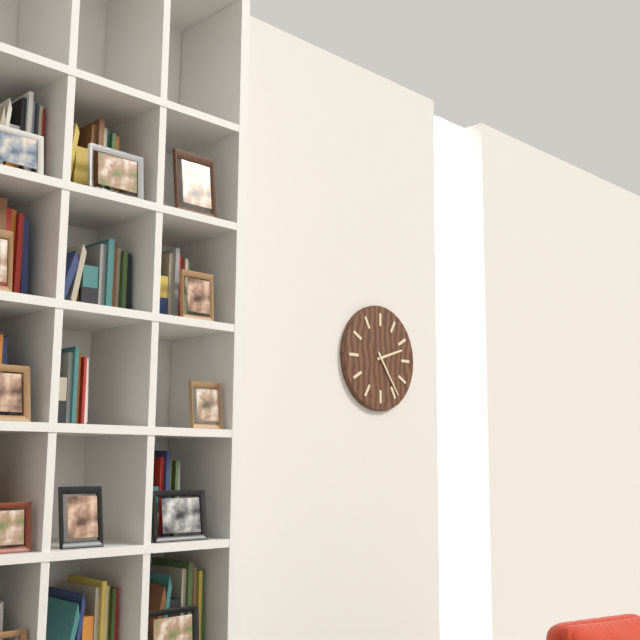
2,24
